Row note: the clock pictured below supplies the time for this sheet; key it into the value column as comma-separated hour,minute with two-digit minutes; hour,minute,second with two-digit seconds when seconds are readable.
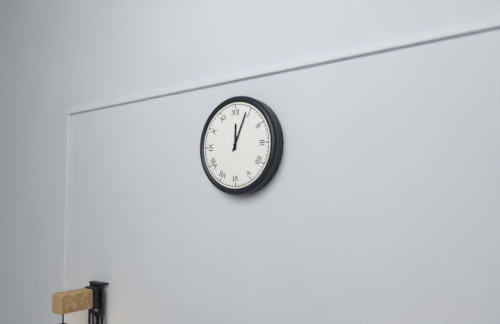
12,04
